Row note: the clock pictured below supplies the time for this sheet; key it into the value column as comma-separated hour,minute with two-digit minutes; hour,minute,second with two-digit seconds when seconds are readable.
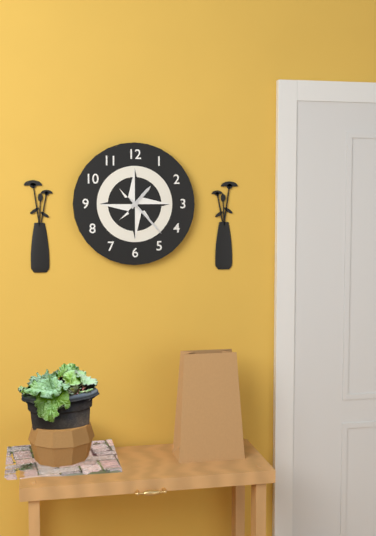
1,23
